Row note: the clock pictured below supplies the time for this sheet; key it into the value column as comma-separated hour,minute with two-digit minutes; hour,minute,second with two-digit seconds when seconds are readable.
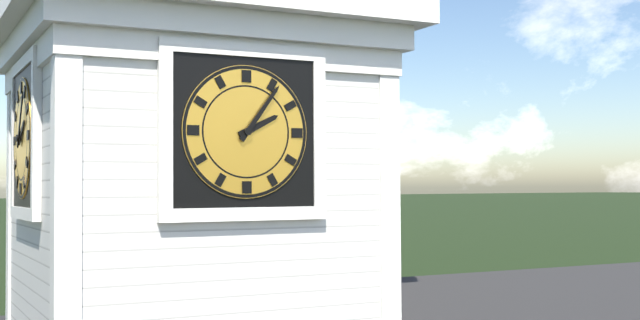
2,06
